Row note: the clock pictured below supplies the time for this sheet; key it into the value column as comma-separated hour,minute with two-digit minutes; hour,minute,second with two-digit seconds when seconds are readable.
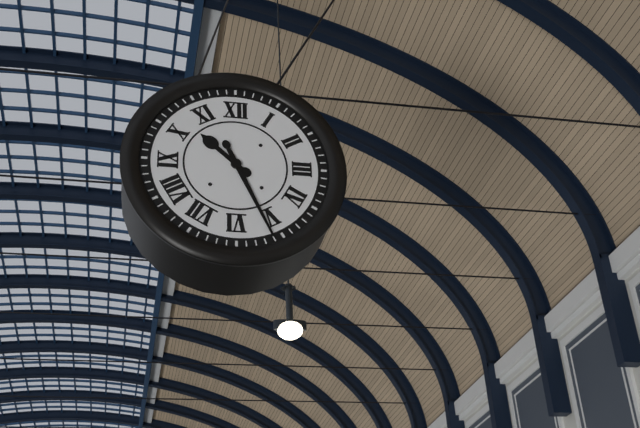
10,26
